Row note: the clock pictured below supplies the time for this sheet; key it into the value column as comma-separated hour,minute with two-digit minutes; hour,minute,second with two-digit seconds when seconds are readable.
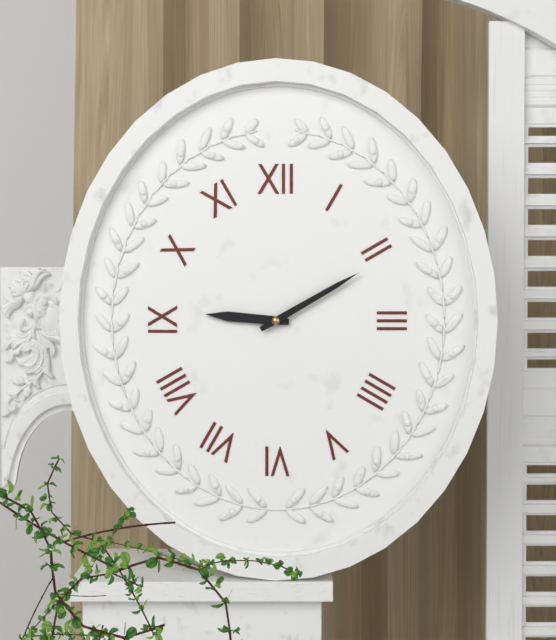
9,10
